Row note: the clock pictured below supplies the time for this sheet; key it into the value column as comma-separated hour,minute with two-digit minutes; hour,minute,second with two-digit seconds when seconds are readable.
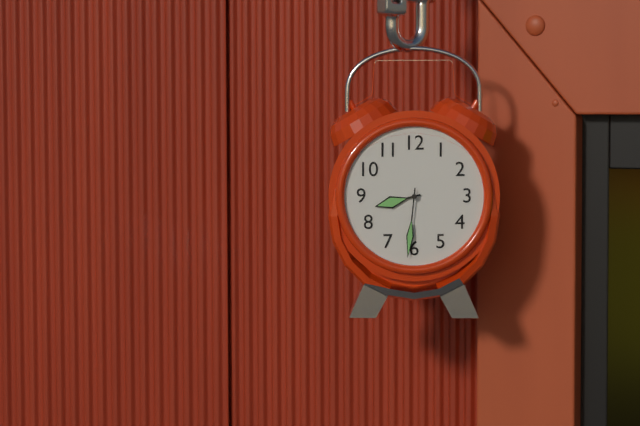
8,31
